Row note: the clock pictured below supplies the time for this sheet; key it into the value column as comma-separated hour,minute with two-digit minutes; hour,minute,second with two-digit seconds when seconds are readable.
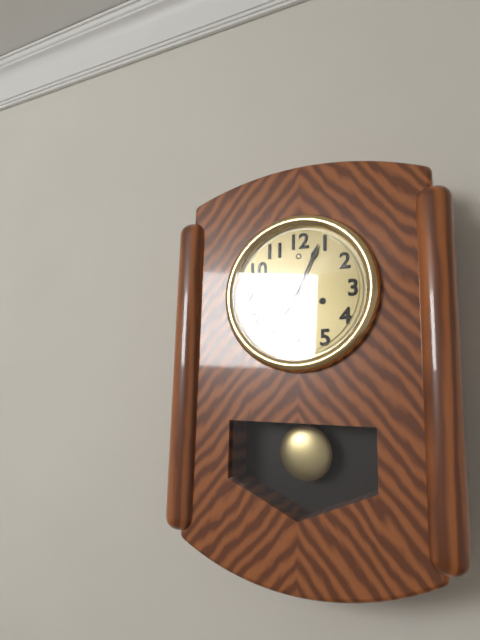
7,04
